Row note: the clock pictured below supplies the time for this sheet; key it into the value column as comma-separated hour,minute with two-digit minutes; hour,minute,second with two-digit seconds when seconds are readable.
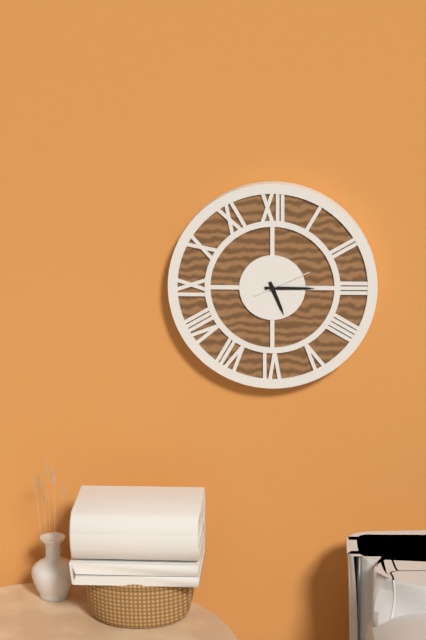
5,15
